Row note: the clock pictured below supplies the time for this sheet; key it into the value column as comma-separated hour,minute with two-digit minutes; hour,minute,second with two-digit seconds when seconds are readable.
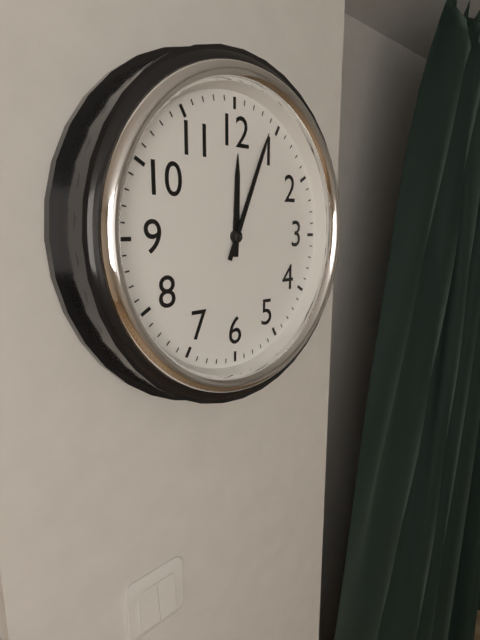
12,04
